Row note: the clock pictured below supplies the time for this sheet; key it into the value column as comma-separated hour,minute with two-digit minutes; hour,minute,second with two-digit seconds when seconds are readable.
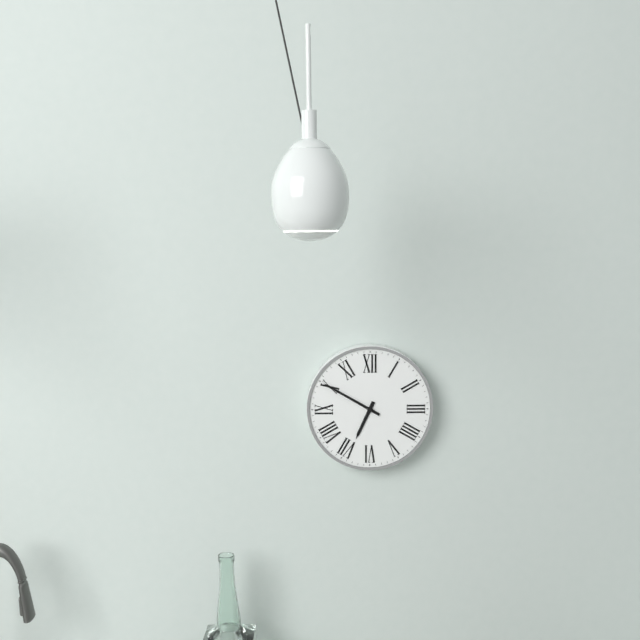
6,50
